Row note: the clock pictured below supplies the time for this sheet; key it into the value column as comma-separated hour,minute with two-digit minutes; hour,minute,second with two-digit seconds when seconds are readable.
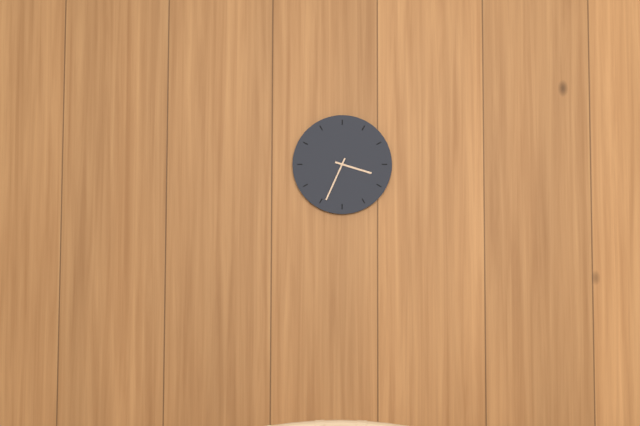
3,34
